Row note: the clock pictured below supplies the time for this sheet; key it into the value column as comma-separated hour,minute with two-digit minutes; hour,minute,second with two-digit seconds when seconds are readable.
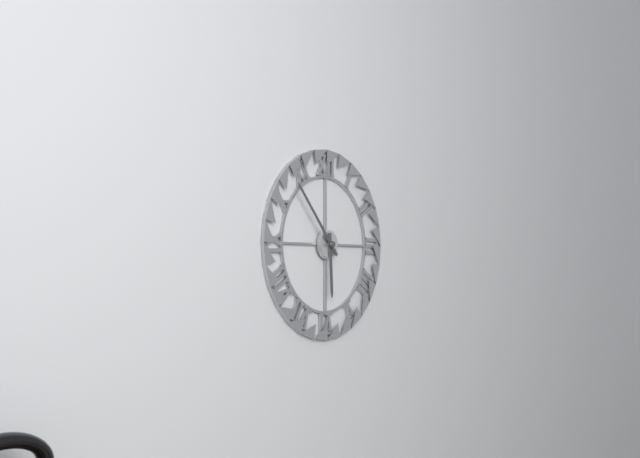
5,53
